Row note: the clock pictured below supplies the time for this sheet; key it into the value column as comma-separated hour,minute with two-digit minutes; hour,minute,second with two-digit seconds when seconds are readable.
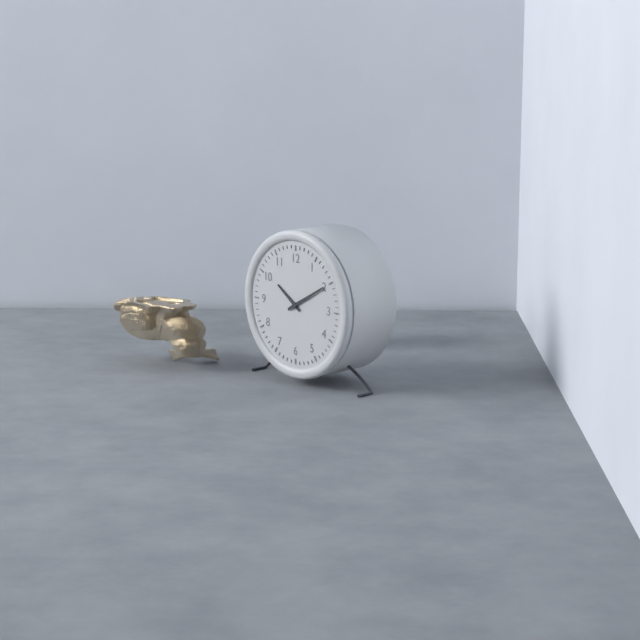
10,10
